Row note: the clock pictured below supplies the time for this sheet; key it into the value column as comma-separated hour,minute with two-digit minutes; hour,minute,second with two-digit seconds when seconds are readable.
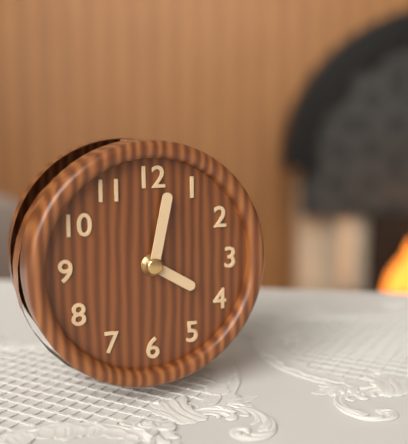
4,02
